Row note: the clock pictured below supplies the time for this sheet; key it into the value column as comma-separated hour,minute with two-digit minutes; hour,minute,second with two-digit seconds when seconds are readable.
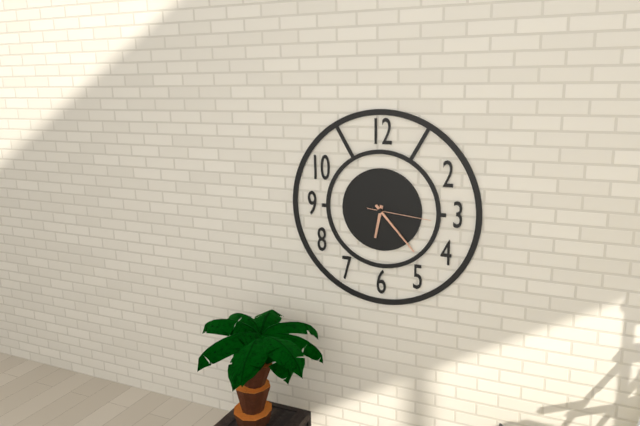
6,23,16
